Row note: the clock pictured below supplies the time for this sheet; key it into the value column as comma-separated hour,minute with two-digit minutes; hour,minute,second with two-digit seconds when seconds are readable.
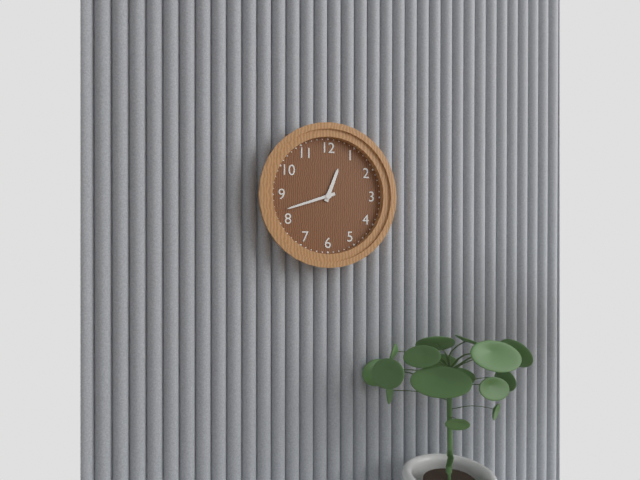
12,42
